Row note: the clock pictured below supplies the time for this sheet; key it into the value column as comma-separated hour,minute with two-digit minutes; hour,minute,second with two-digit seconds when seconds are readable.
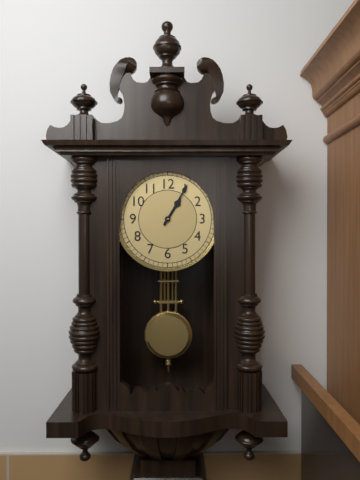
1,05
